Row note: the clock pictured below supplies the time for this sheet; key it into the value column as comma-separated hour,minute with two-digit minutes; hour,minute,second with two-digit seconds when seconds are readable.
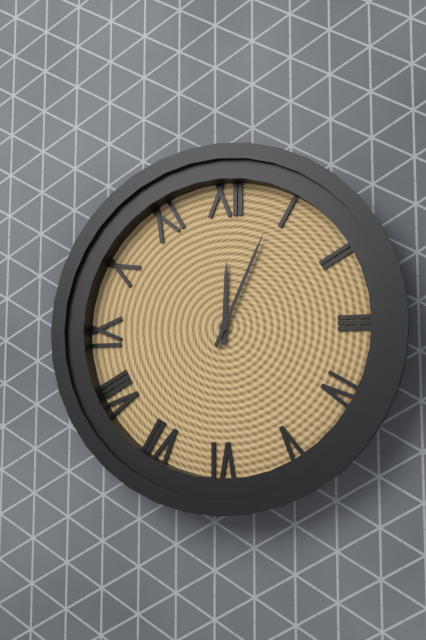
12,04
